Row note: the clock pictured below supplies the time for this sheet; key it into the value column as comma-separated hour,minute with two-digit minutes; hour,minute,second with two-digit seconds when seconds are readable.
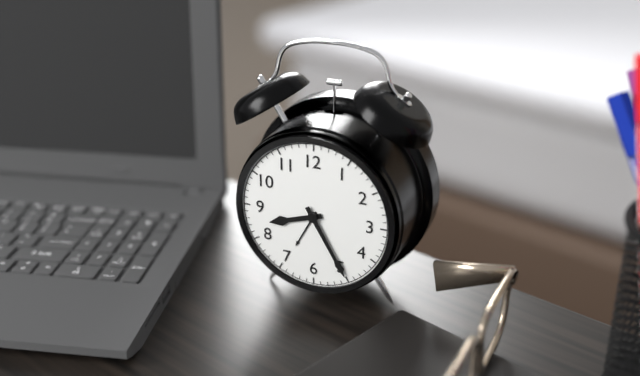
8,25
